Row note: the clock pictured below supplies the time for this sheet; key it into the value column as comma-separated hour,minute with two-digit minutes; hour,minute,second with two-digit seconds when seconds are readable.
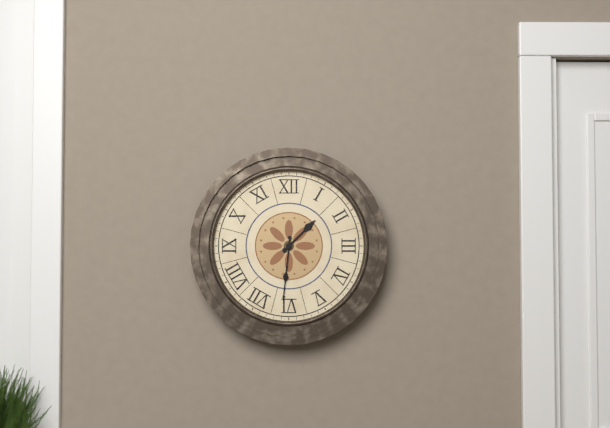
1,31
